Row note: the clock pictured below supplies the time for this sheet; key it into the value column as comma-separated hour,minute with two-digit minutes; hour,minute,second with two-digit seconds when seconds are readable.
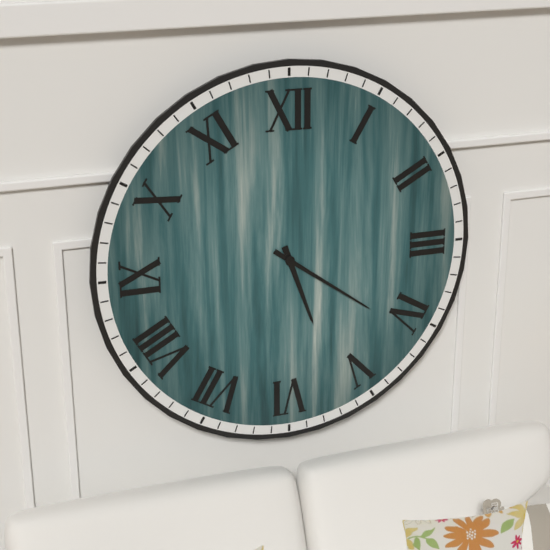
5,21
